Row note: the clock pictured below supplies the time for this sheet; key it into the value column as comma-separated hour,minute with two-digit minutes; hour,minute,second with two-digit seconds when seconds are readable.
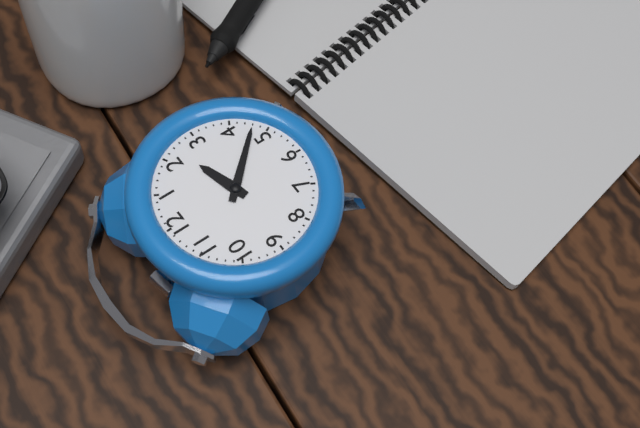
2,23
